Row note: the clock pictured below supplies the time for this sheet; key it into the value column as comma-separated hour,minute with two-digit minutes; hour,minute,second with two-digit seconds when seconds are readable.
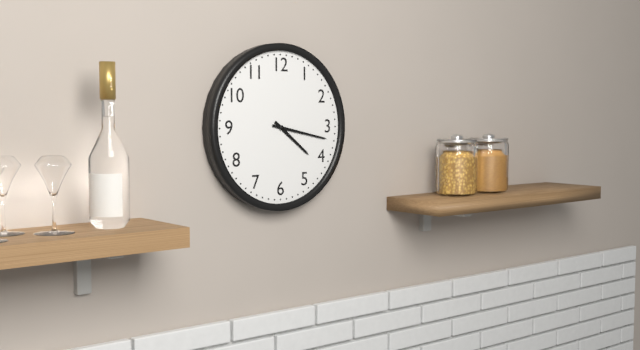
4,17
